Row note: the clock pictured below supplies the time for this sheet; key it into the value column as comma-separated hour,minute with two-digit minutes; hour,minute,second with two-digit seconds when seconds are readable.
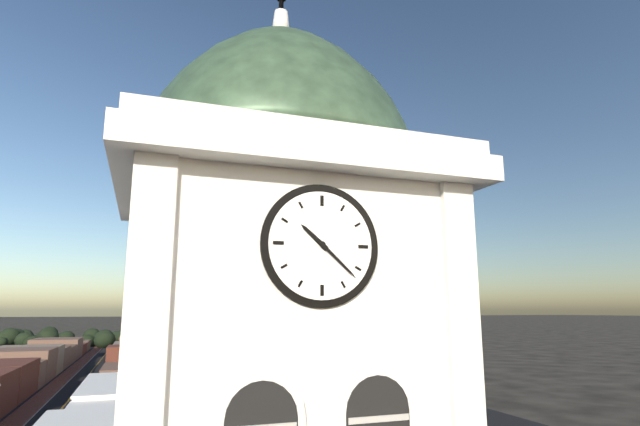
10,22
